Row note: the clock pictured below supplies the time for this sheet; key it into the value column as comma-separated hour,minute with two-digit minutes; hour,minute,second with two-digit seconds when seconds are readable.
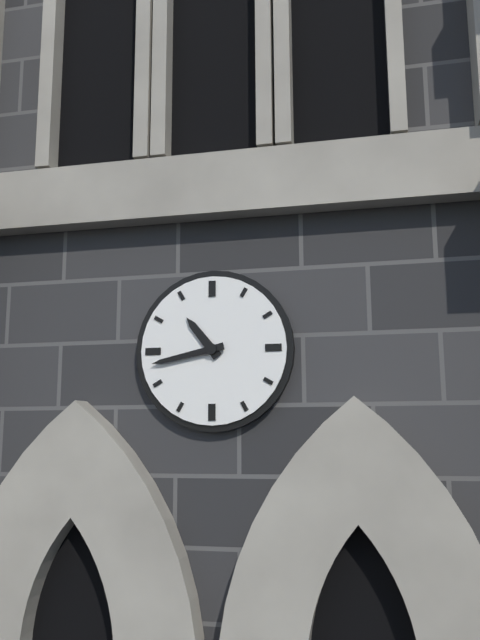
10,43
